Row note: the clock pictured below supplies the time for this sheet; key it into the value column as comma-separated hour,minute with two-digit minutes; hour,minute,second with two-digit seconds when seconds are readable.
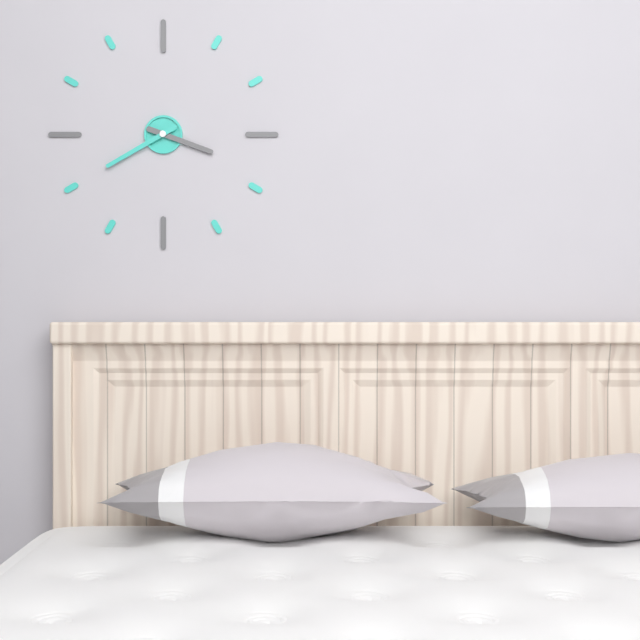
3,40
